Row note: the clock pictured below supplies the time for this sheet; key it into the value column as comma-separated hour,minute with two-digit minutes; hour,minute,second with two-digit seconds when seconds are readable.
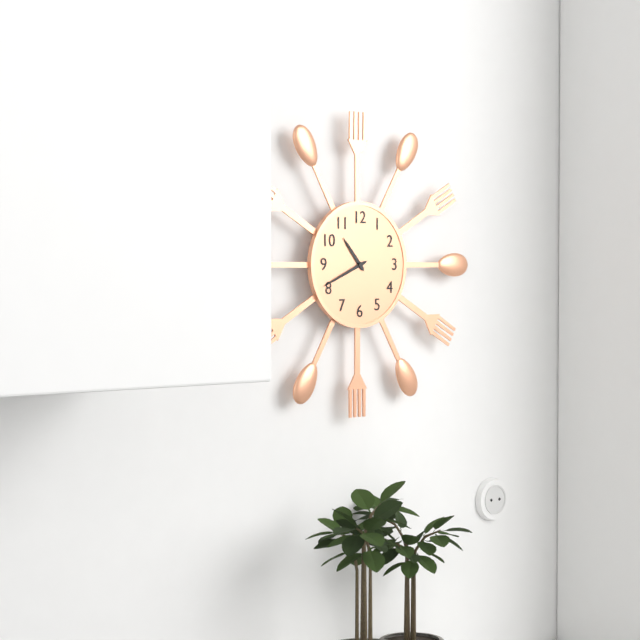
10,41
